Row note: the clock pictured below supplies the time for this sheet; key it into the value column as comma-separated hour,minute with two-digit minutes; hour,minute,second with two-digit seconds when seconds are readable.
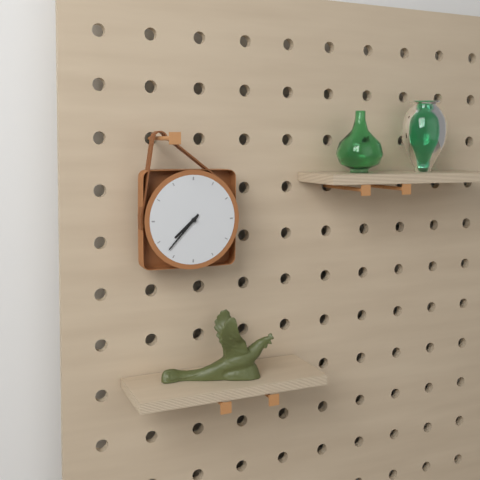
7,37
